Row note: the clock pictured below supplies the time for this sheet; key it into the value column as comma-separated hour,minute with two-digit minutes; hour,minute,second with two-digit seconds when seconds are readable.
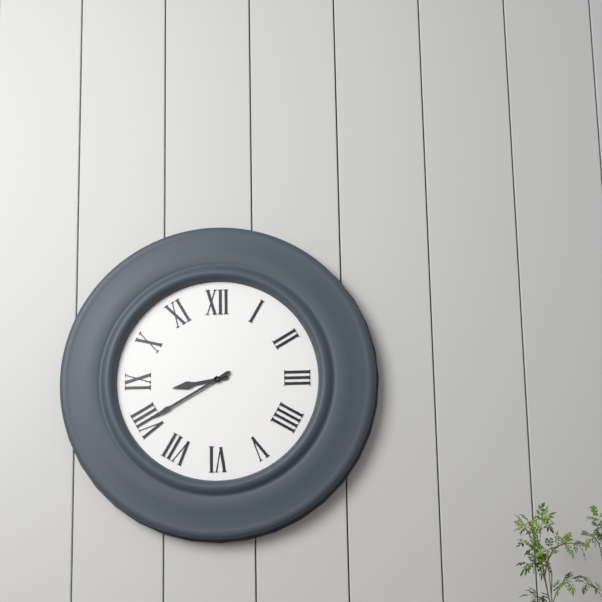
8,40
